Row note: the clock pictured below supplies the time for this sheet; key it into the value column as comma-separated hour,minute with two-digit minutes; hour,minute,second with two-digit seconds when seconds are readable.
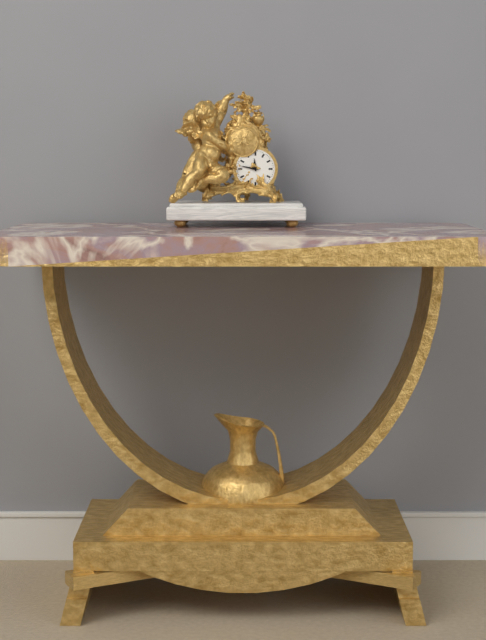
11,47
